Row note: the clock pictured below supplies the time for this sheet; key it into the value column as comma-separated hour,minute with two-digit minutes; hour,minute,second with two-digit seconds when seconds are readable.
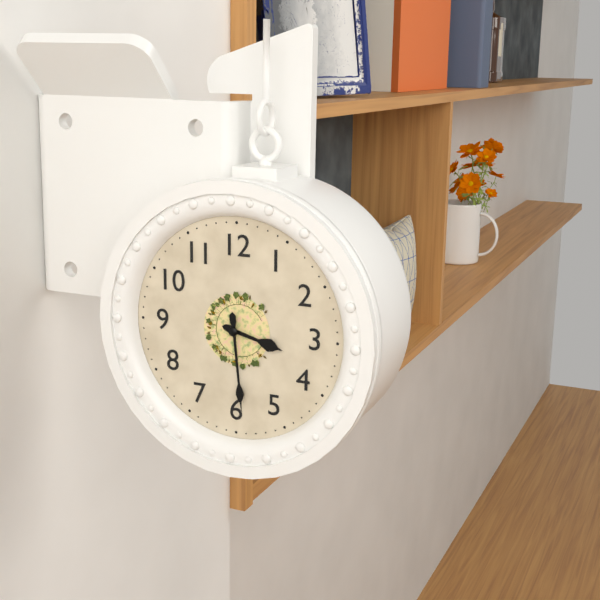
3,29
